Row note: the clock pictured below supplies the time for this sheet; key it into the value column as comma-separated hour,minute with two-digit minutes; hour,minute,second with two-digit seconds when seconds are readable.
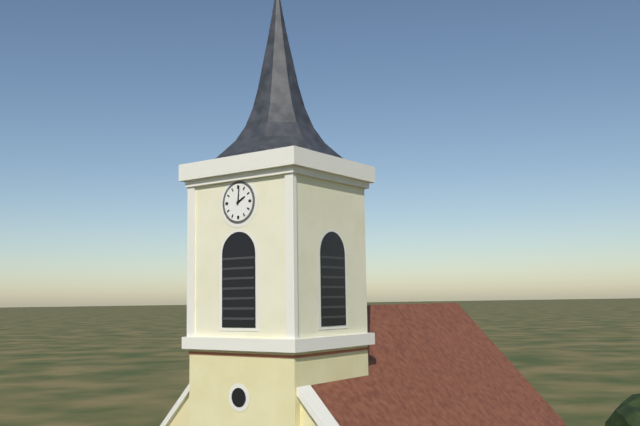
2,01
